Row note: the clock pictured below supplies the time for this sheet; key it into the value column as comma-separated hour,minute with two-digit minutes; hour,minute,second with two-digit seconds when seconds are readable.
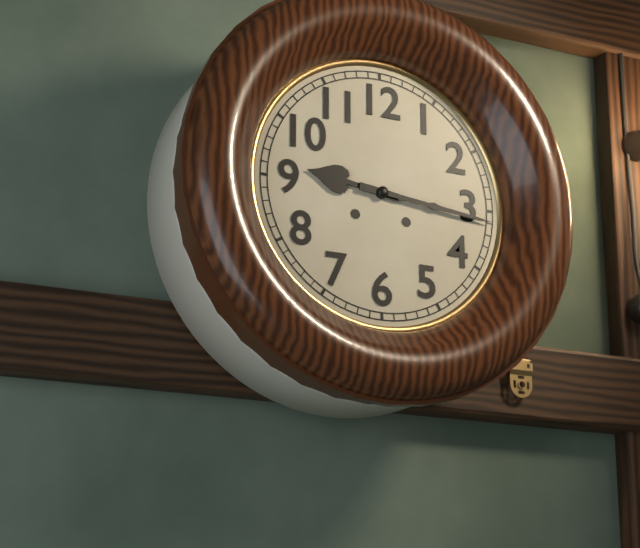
9,16
